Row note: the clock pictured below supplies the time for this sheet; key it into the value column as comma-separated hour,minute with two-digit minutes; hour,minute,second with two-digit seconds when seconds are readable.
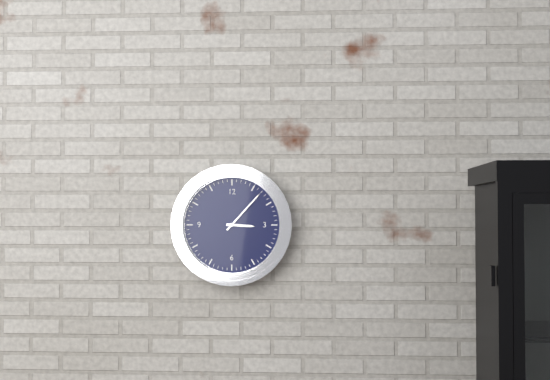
3,07
